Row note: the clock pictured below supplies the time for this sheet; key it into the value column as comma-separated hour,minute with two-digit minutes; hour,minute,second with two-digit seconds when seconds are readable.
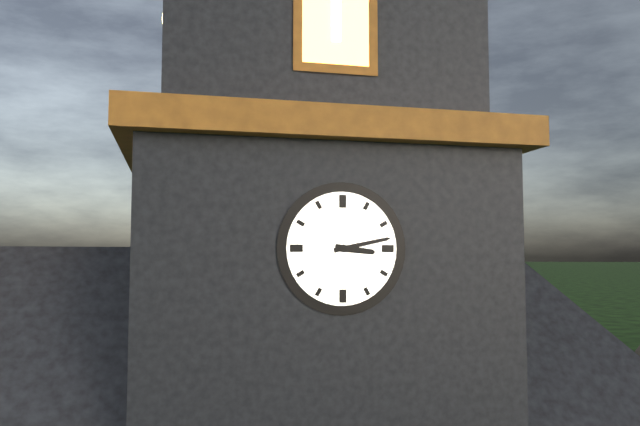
3,13
